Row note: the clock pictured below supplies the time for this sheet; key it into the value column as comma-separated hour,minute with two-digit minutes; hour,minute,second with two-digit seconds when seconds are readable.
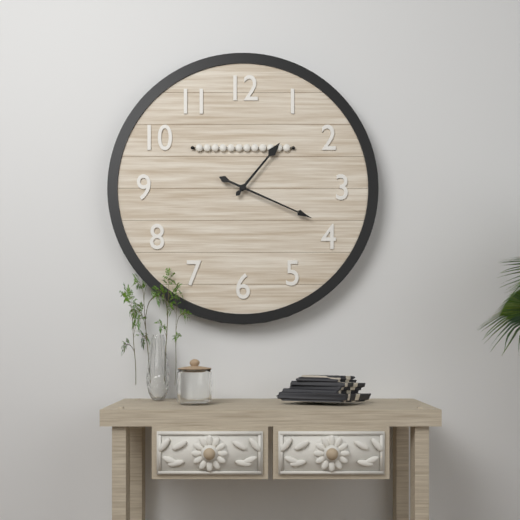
1,19
